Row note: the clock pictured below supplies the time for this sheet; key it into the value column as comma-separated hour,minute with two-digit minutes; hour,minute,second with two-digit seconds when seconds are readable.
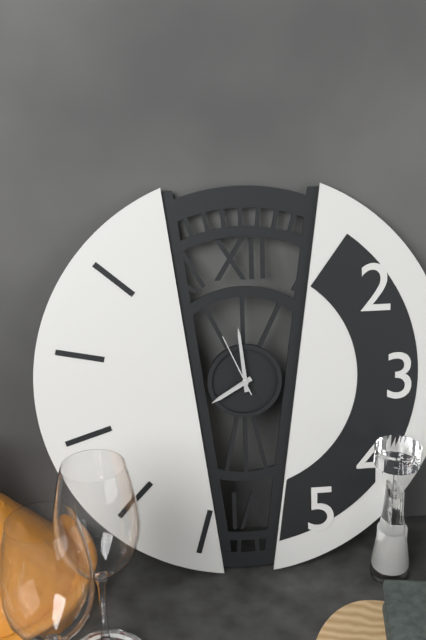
7,59,56
